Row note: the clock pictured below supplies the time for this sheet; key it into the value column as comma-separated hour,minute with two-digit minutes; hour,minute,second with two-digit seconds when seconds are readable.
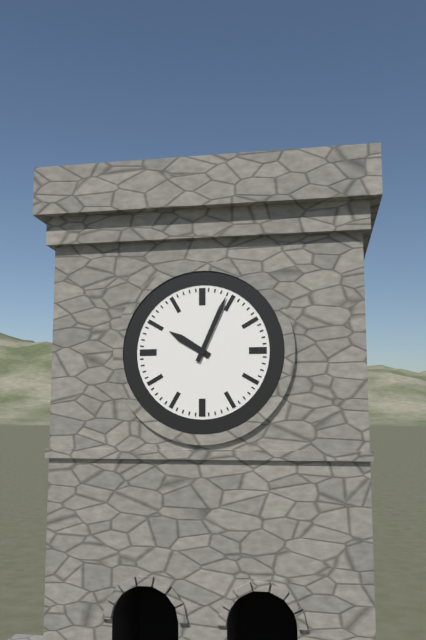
10,04
